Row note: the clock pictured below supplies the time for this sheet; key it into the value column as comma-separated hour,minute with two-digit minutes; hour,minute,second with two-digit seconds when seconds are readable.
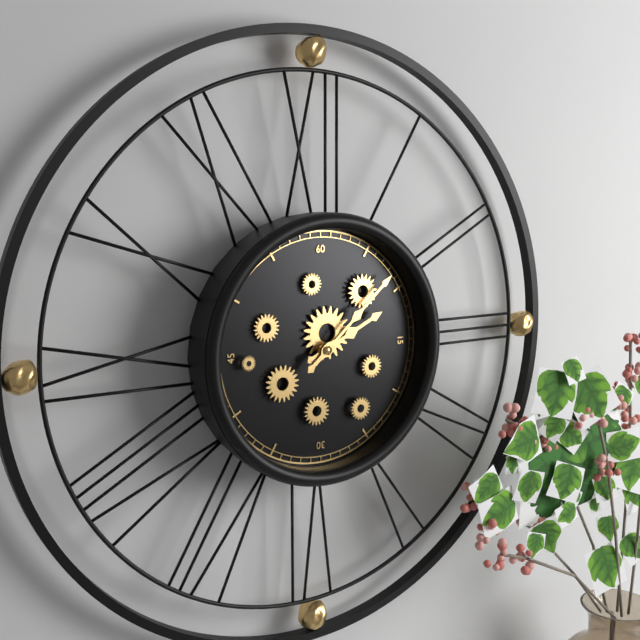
2,08
